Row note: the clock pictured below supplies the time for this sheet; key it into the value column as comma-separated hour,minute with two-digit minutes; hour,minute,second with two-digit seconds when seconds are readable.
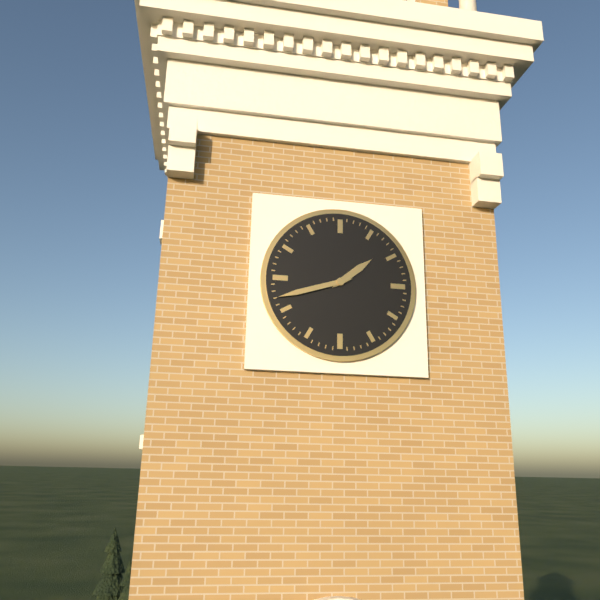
1,42
